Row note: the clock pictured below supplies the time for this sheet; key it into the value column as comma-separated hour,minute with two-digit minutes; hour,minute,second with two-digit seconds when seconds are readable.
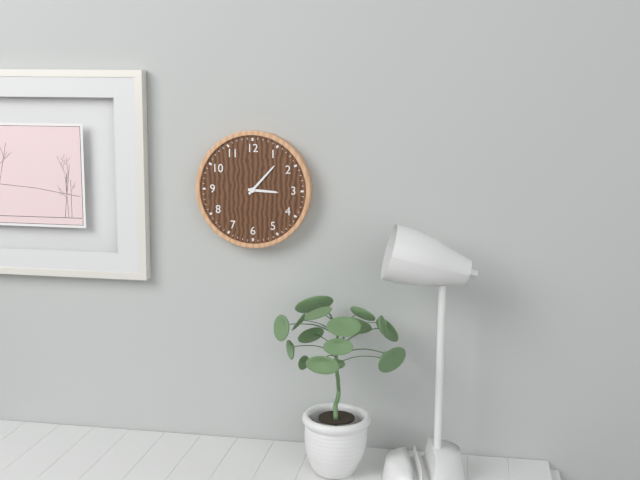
3,07
